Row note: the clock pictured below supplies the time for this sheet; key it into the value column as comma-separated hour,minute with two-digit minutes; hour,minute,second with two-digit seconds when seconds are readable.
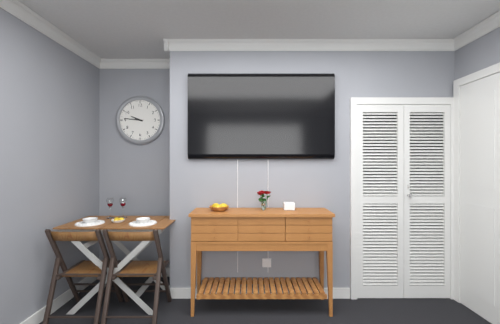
9,46
